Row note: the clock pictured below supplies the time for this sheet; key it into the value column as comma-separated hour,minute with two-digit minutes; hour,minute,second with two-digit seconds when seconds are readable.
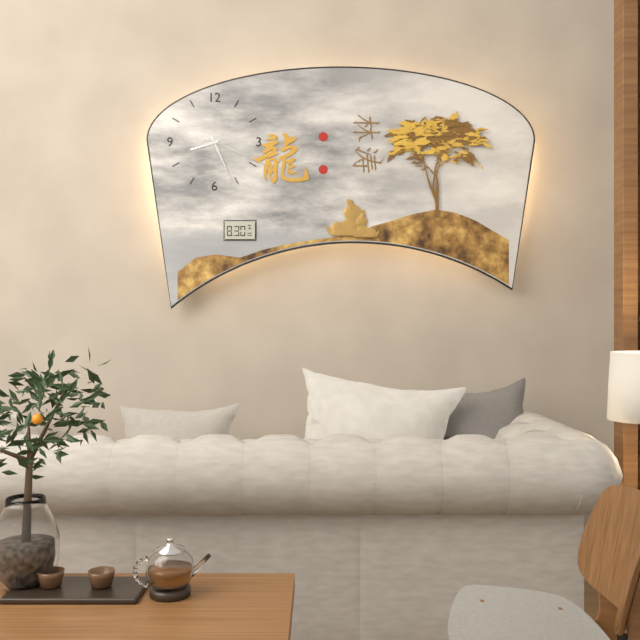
8,26,19
